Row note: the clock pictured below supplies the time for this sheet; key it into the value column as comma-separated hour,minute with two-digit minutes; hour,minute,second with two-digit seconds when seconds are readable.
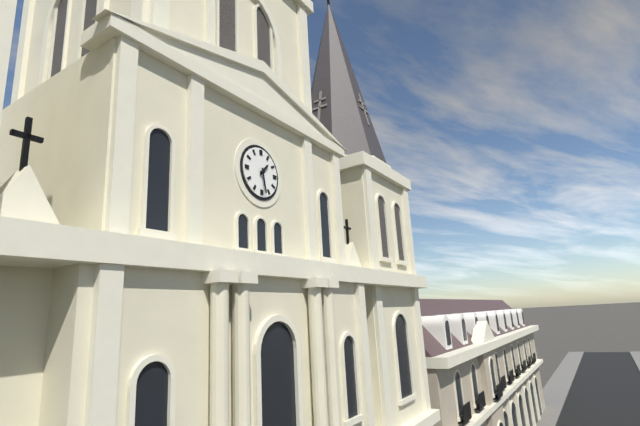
1,28
